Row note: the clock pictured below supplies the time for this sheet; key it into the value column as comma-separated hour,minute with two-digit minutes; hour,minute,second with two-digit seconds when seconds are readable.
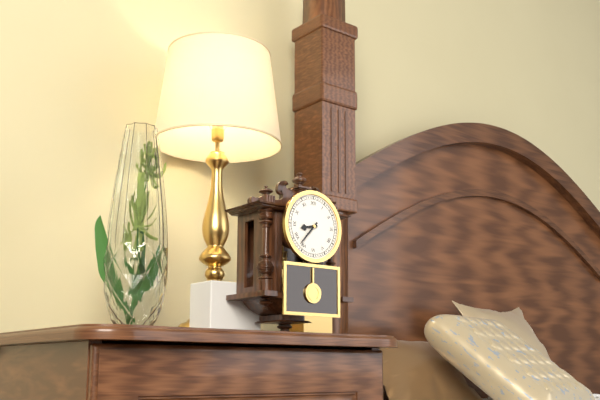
8,37
